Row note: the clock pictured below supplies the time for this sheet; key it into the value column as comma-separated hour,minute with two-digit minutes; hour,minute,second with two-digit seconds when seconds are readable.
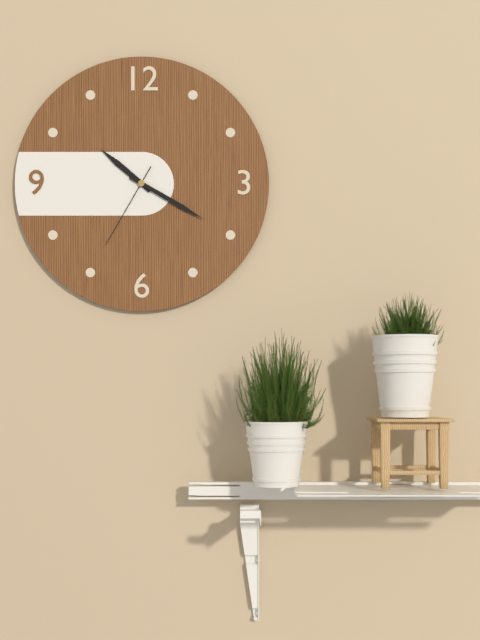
10,20,35
